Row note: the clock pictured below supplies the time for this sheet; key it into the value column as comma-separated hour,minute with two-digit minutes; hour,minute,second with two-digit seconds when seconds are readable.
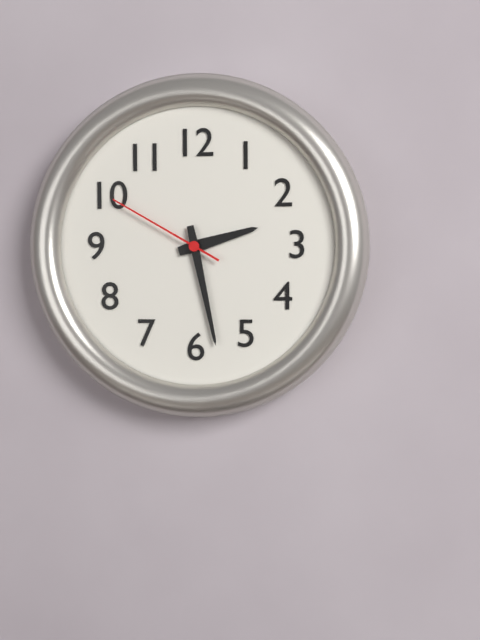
2,28,50
